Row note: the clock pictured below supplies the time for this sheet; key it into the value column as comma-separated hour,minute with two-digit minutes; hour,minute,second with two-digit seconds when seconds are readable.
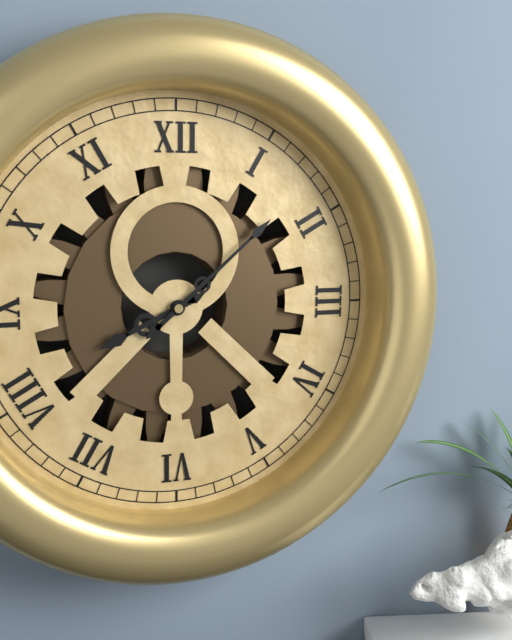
8,08
